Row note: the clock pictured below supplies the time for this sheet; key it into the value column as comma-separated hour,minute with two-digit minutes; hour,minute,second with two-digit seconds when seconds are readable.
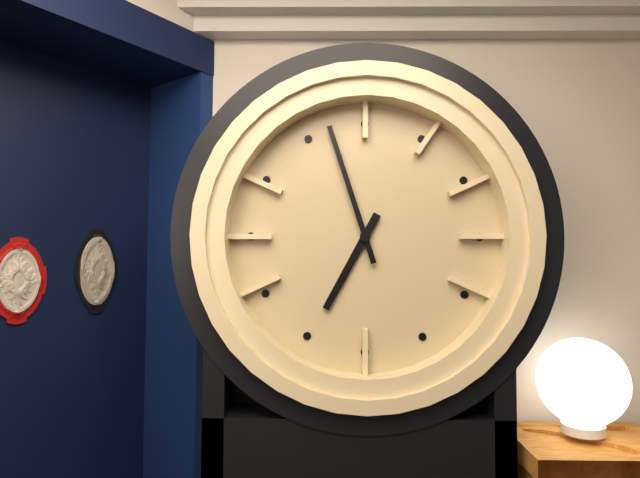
6,57
